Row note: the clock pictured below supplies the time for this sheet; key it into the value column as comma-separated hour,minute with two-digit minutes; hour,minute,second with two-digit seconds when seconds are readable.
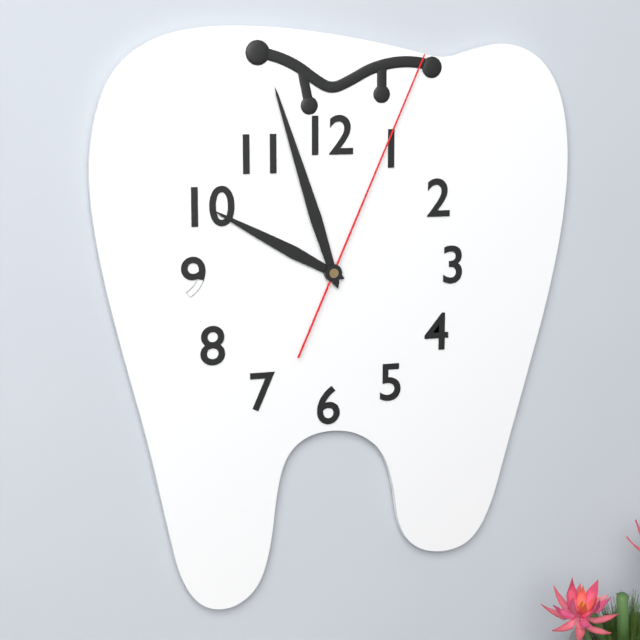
9,57,04
